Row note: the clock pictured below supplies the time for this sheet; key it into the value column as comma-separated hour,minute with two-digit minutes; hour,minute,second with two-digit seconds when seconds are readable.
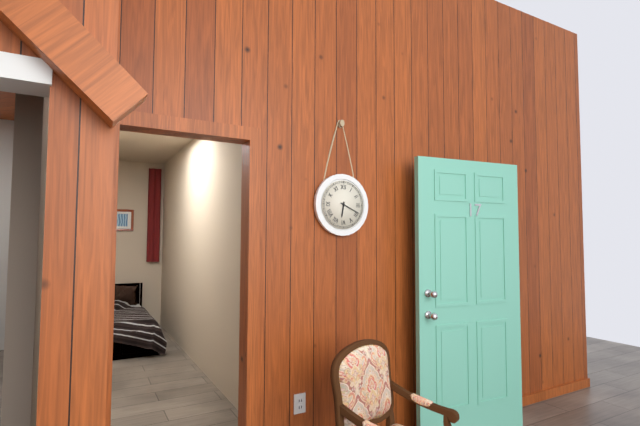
6,19
